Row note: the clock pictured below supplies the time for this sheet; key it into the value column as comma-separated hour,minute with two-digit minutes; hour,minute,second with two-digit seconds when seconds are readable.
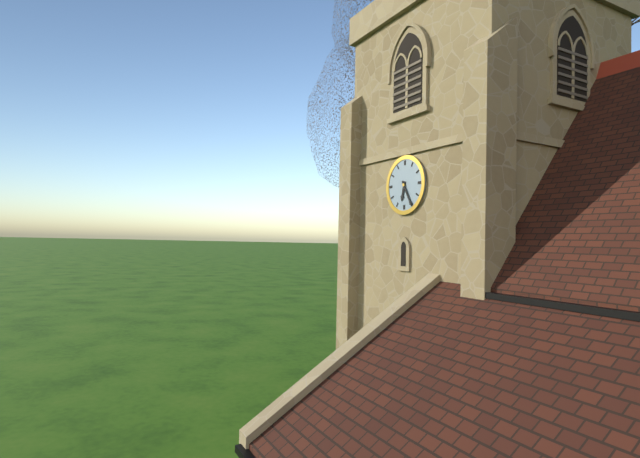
6,25
